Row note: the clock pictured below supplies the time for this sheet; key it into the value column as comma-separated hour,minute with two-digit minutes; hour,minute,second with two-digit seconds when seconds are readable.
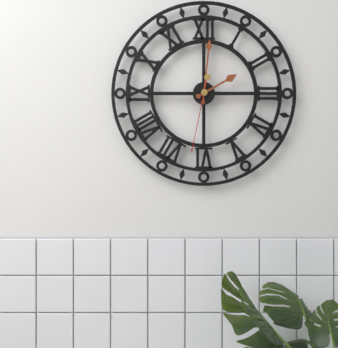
2,01,32
